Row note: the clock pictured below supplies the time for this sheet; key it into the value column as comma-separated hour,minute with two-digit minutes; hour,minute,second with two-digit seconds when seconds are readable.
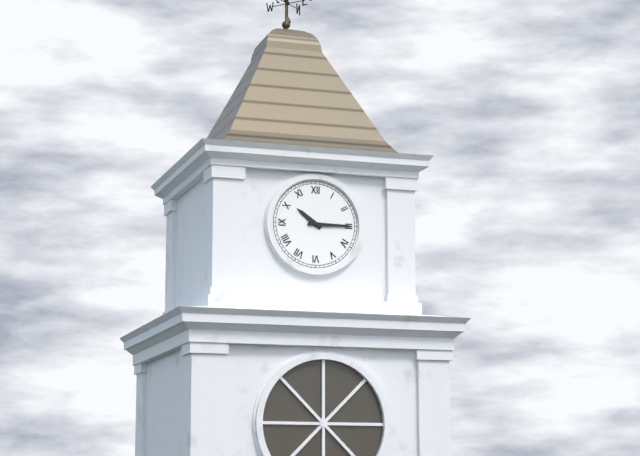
10,15
